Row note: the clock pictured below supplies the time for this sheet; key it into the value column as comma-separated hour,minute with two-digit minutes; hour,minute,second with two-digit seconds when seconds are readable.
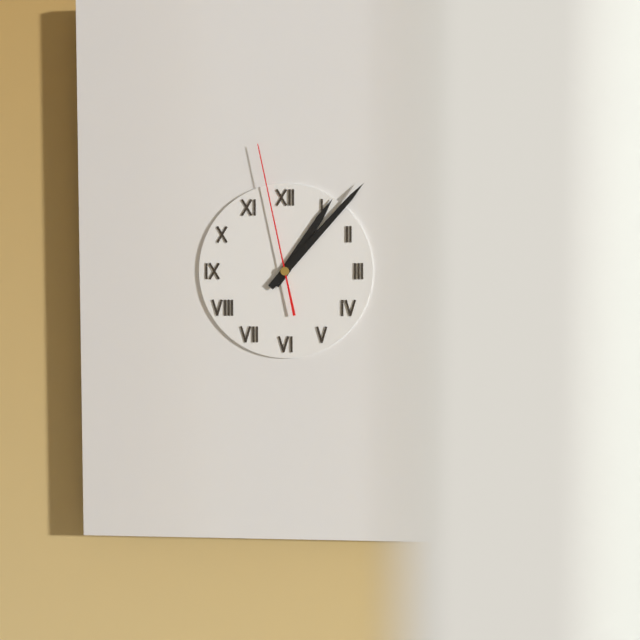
1,07,58
